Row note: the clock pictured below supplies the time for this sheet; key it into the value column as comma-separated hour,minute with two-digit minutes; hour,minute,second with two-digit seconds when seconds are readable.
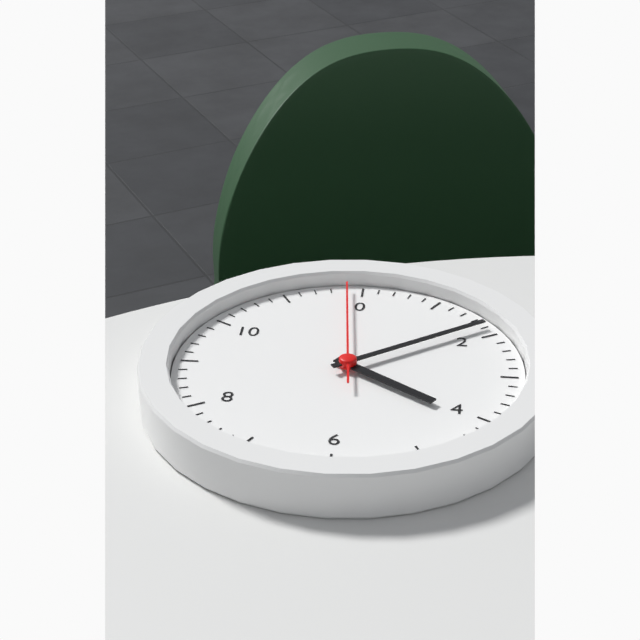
4,09,59
